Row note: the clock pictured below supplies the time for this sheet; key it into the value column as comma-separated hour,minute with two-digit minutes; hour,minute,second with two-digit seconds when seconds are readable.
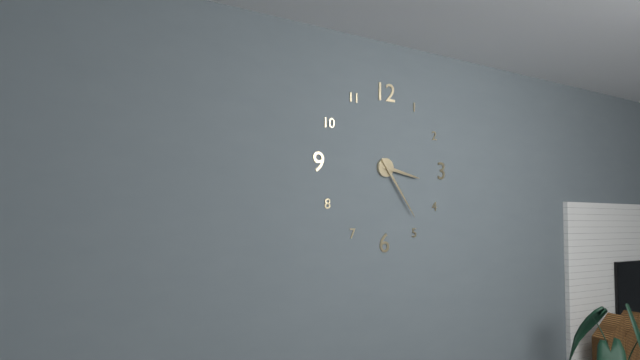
3,24
